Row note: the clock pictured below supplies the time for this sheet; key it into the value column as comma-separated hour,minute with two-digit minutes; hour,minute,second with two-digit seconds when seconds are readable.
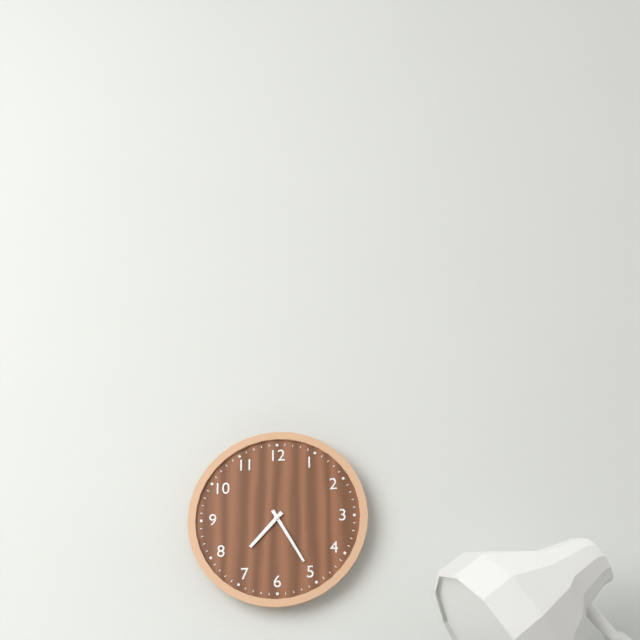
7,25
